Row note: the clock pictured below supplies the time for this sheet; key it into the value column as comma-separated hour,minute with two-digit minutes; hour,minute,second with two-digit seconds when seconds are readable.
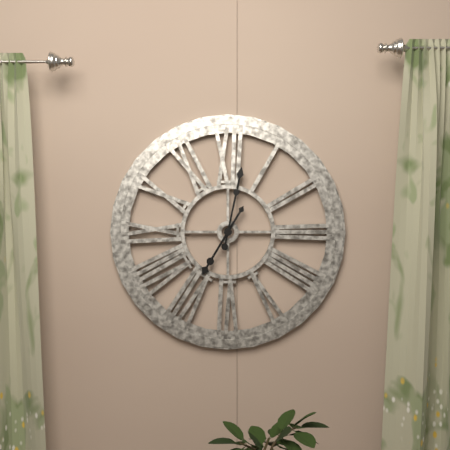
7,02
